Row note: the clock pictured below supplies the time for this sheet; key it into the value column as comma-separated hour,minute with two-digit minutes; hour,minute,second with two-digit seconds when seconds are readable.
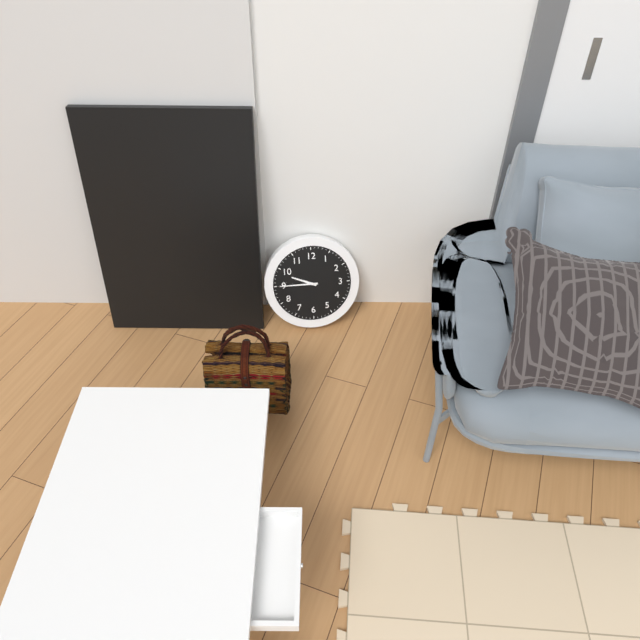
9,45
